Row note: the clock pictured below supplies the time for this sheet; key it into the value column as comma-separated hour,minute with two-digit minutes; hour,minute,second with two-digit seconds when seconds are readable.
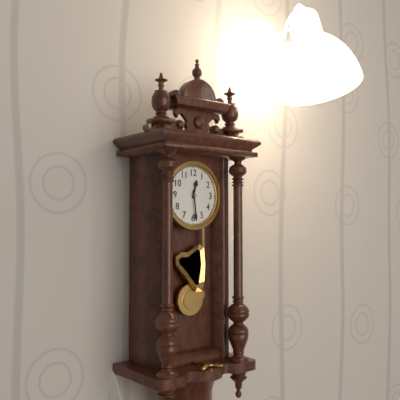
12,29
